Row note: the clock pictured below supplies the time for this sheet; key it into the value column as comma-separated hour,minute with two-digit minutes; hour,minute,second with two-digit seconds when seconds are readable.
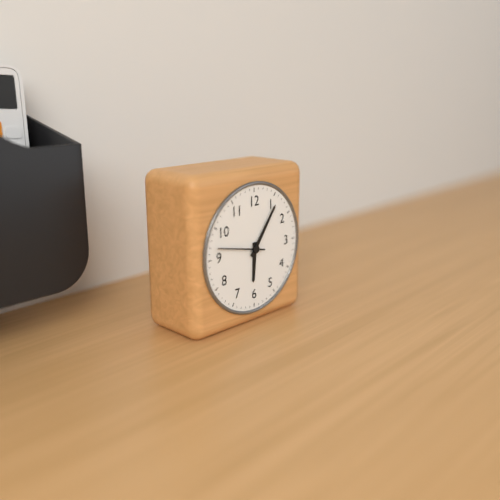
6,06
